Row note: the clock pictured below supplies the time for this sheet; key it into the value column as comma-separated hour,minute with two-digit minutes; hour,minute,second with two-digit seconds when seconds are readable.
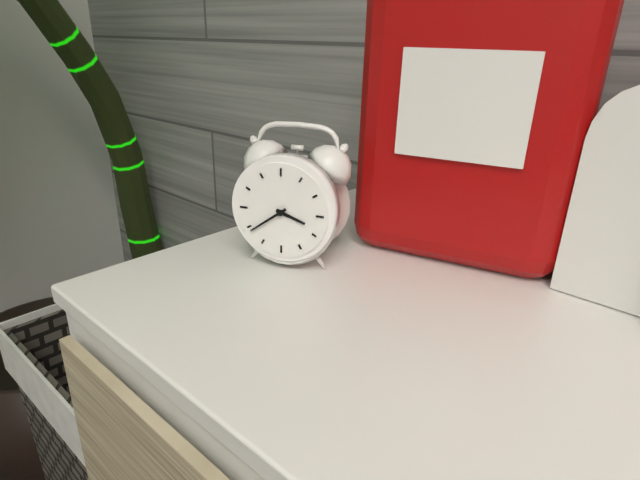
3,39
